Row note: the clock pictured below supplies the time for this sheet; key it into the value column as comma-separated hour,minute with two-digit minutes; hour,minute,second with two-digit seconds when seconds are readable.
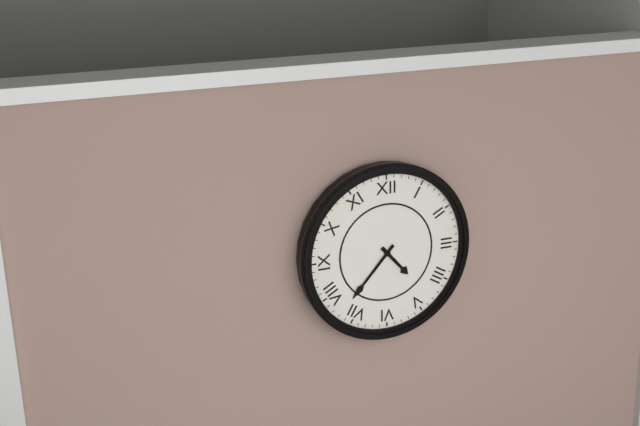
4,37
